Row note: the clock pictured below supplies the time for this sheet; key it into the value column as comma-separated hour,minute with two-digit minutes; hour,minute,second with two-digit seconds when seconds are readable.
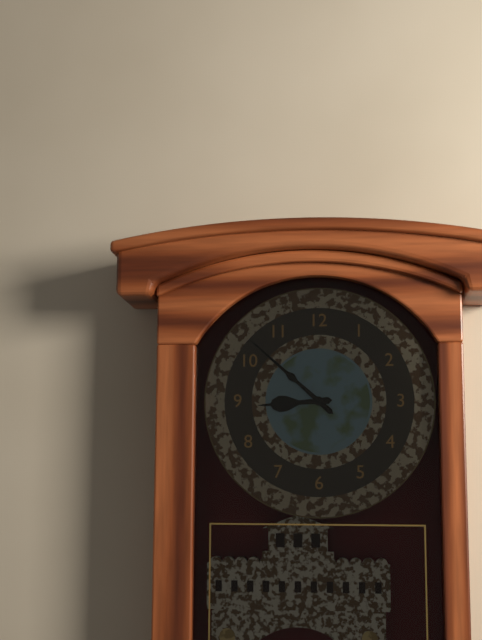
8,52
